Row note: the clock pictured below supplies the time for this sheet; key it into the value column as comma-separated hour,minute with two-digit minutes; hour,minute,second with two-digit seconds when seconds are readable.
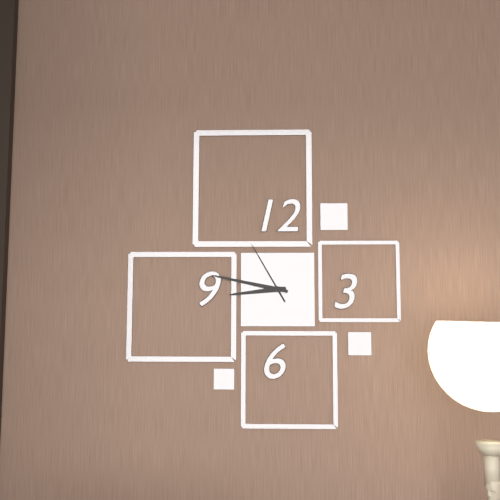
8,47,55
